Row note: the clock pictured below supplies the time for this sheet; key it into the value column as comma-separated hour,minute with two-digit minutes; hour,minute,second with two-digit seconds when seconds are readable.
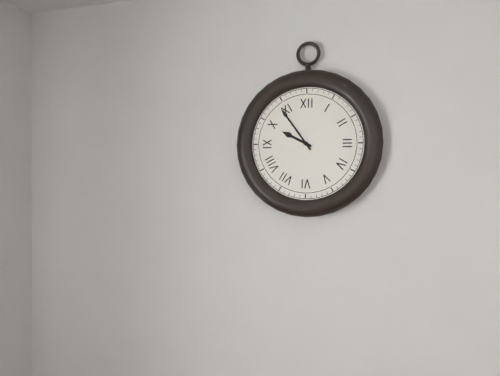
9,54
